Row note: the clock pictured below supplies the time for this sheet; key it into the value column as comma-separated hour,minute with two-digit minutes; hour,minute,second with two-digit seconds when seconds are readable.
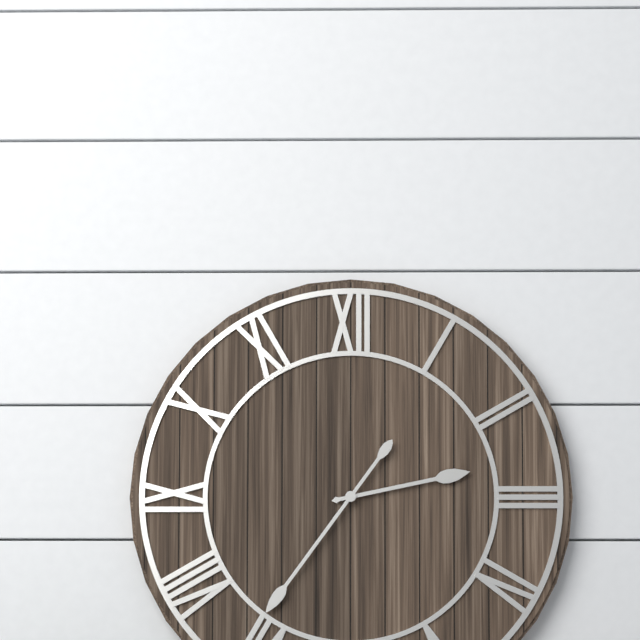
2,36
